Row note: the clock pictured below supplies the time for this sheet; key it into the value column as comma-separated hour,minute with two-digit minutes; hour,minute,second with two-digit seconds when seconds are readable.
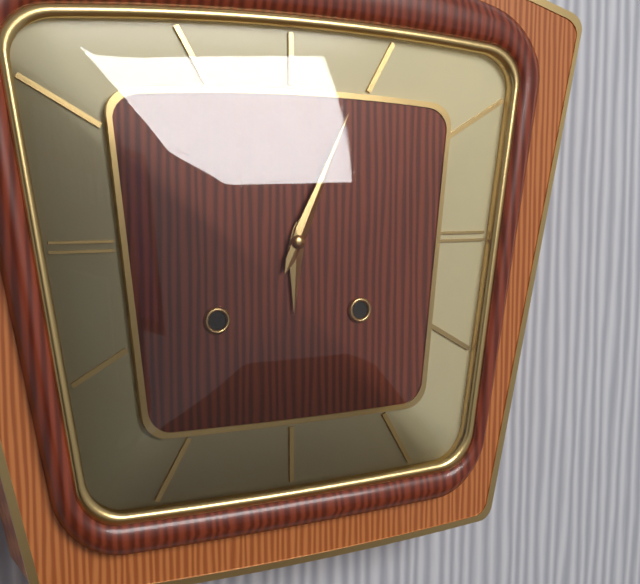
6,04
